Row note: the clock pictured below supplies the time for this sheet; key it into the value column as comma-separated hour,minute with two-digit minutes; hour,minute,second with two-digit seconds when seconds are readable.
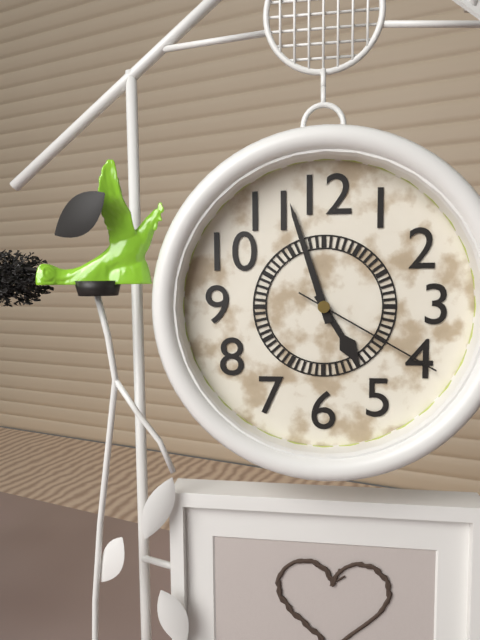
4,57,20
